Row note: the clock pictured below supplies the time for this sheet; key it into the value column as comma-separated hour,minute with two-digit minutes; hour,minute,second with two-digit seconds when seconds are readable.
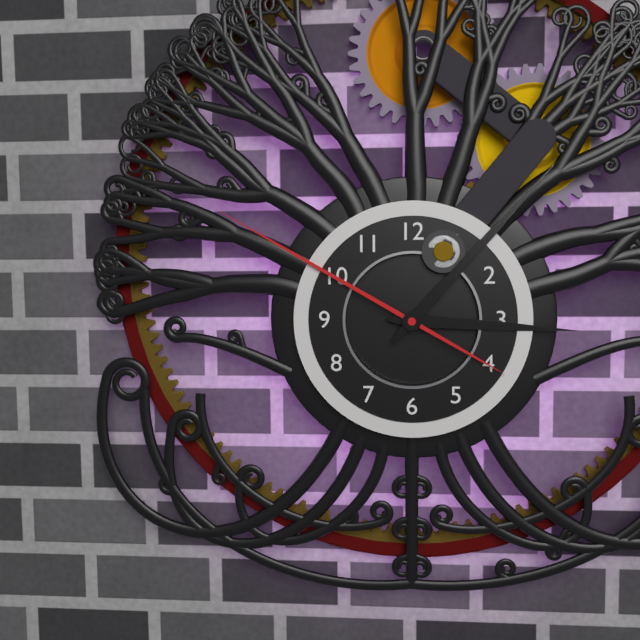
3,07,50
